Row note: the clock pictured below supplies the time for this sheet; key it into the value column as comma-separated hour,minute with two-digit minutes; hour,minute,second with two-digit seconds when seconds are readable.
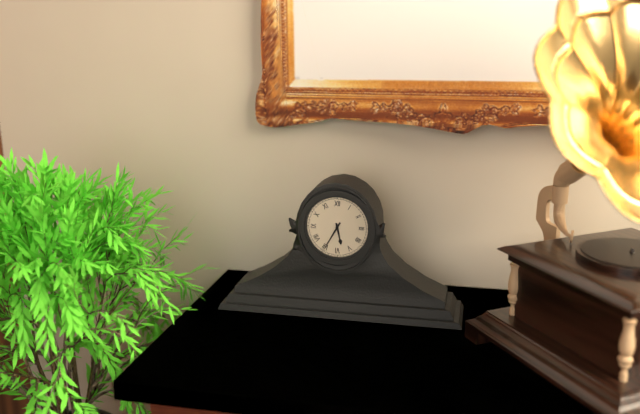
5,35
